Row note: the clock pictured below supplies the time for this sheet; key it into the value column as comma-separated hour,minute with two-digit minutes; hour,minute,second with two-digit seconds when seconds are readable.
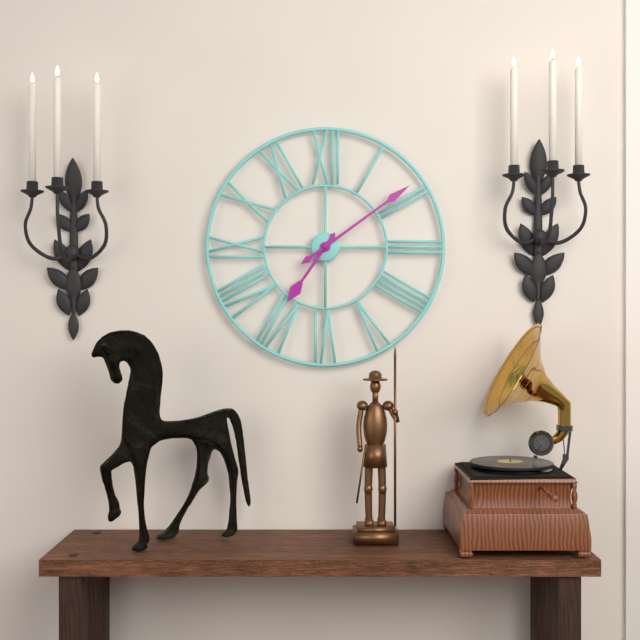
7,09
